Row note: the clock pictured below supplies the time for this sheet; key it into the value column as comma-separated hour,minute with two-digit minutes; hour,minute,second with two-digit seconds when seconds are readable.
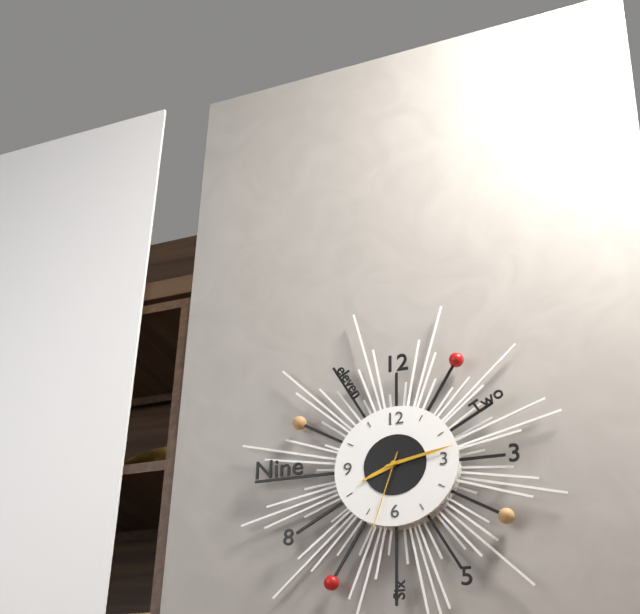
8,13,33
